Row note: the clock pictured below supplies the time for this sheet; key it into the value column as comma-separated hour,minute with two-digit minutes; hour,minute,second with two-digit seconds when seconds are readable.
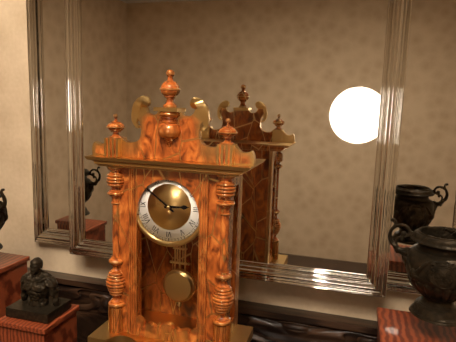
2,51
